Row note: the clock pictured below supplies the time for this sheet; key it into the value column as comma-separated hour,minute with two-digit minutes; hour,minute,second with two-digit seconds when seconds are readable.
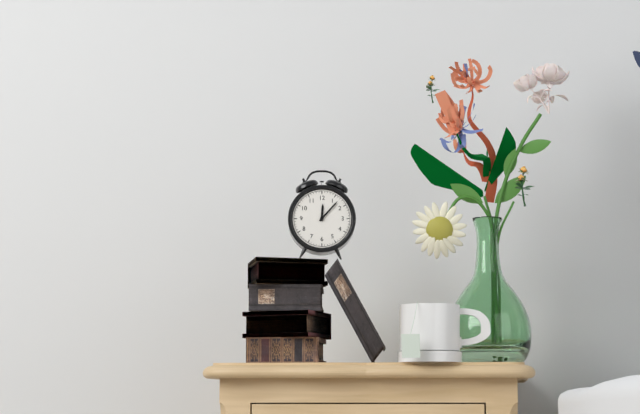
12,07
